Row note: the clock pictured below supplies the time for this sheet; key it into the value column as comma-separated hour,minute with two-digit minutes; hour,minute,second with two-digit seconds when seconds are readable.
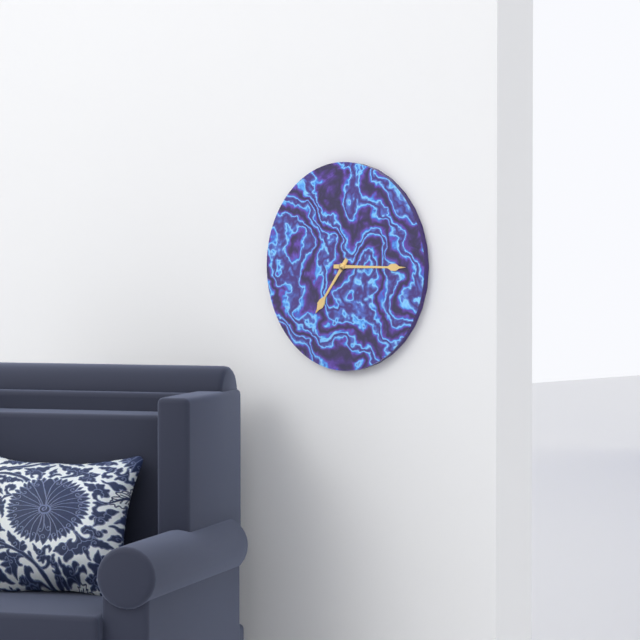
7,15
